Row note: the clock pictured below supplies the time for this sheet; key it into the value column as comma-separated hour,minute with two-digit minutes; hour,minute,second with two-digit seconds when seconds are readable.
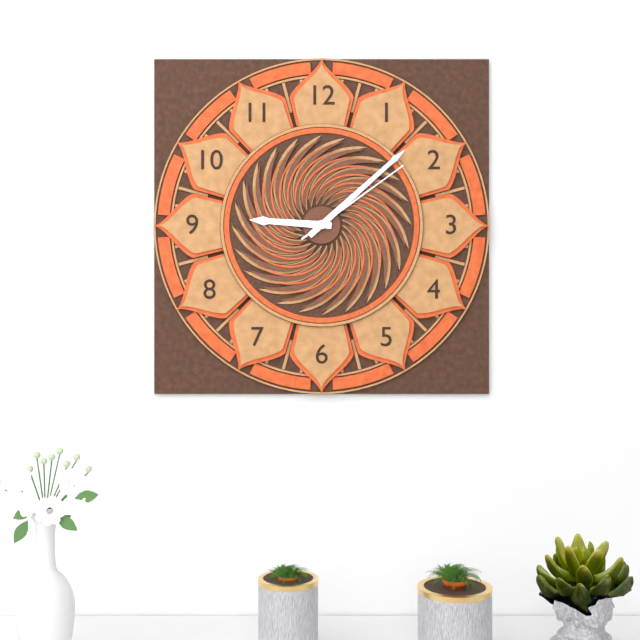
9,08,09
